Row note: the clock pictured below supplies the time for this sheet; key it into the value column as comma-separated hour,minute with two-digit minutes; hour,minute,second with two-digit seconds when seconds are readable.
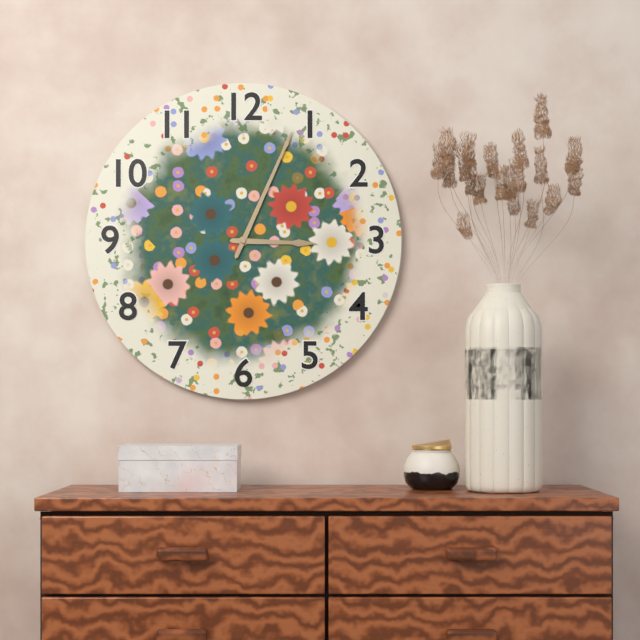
3,04
